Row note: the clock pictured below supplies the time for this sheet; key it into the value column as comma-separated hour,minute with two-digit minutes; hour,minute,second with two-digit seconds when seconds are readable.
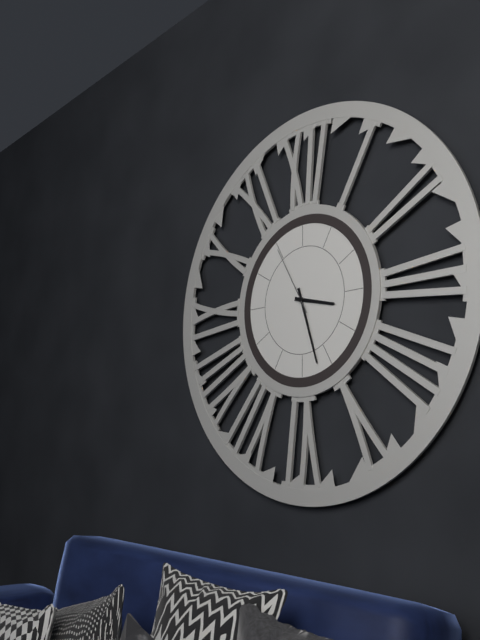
3,27,55
